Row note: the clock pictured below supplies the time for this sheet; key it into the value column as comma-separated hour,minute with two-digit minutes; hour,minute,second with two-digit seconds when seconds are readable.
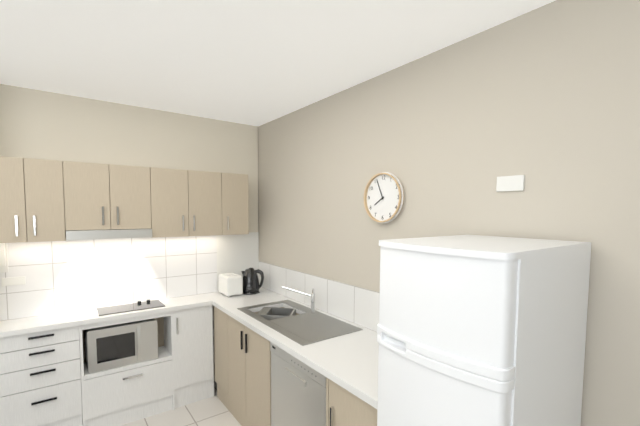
7,56
